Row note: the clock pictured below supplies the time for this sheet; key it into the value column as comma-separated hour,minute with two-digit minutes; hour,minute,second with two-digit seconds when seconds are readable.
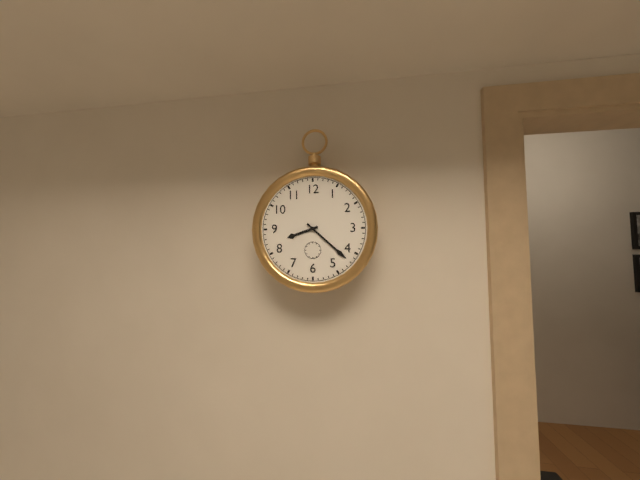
8,22
